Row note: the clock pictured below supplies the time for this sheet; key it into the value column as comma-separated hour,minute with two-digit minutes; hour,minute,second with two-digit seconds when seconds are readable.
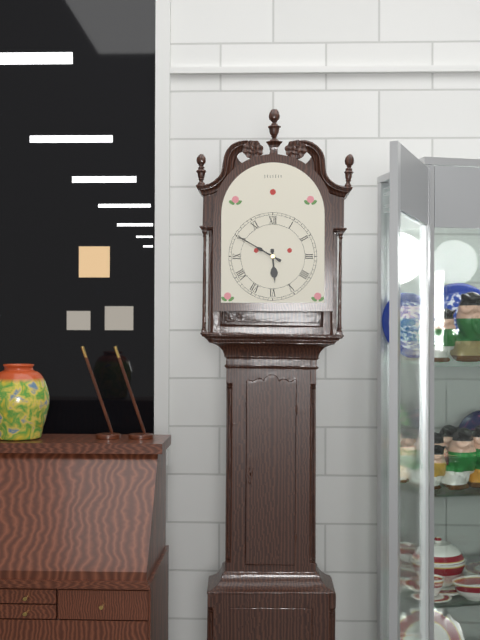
5,50
